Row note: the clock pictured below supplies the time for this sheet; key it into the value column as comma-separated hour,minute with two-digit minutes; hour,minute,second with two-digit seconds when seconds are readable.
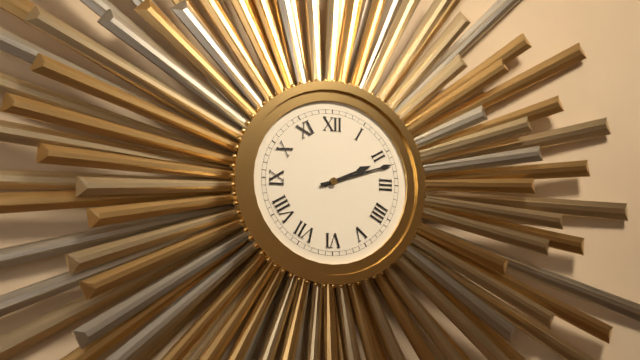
2,12
